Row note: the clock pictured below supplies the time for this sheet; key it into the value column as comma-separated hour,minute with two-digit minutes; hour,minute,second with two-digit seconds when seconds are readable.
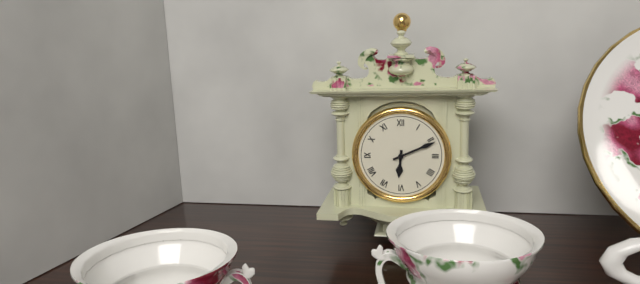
6,11
